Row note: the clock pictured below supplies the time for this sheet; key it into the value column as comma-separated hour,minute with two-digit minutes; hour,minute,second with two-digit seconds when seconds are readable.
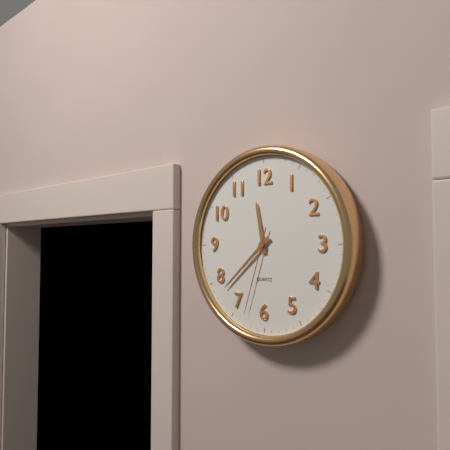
11,38,33
